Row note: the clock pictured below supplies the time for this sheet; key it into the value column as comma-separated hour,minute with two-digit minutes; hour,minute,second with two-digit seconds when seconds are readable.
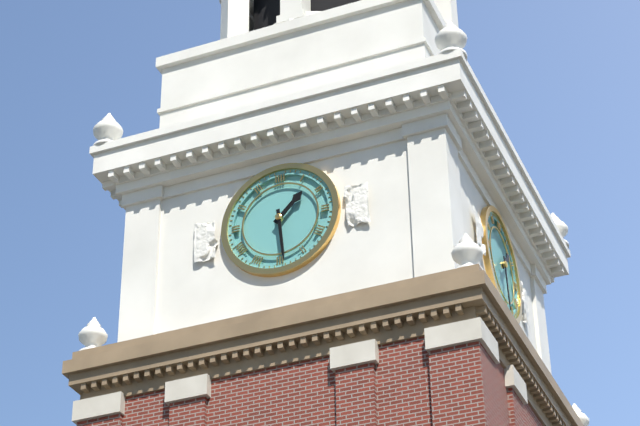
1,29
